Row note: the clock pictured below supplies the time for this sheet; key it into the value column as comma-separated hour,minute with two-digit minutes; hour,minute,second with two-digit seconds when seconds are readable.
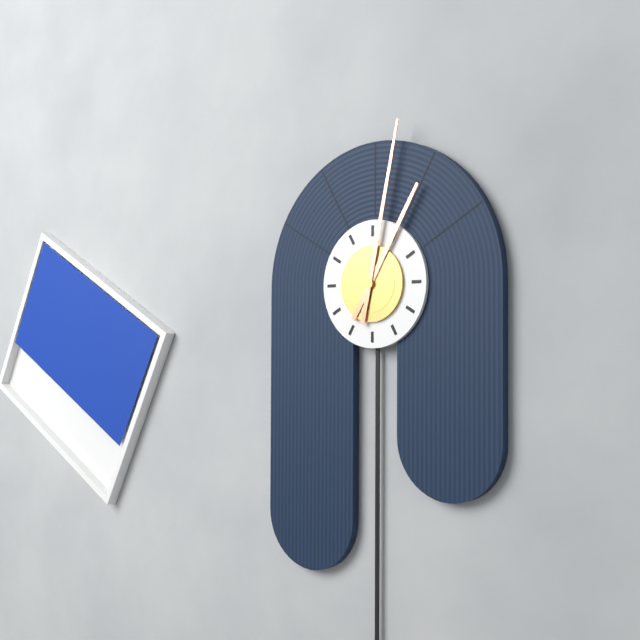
1,02
